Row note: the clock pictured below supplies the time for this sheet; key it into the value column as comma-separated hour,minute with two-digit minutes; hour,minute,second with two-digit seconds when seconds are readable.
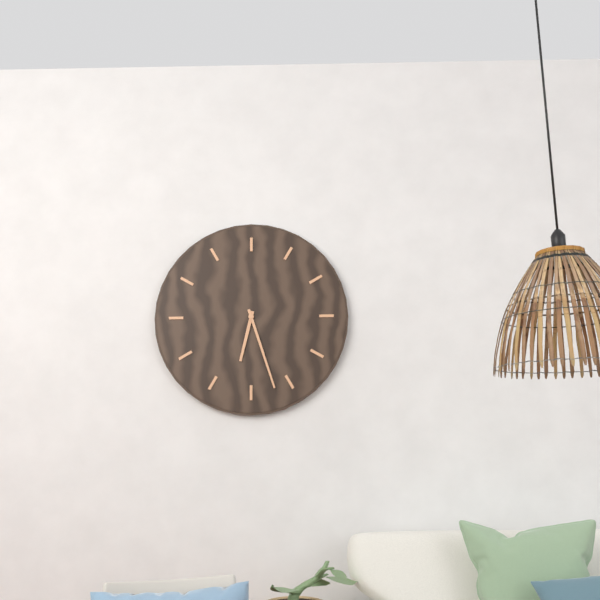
6,27
